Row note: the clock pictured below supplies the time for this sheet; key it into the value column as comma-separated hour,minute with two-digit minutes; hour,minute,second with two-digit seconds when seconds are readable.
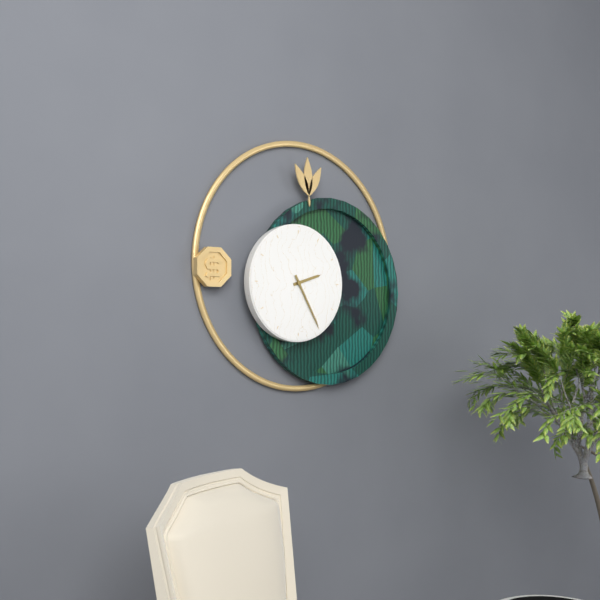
2,25
